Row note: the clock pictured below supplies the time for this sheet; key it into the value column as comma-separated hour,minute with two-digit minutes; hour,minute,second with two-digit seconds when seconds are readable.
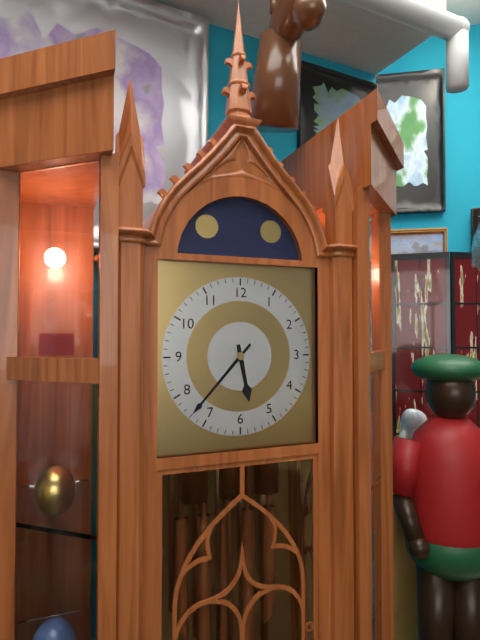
5,37
